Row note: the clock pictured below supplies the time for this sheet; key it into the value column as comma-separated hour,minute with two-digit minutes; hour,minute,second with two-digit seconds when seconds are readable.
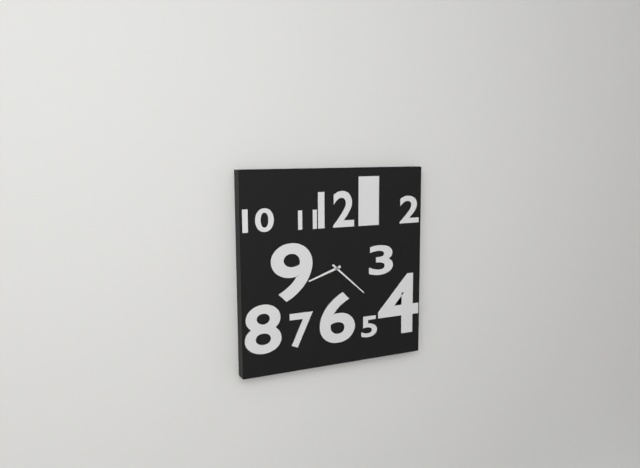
8,22
